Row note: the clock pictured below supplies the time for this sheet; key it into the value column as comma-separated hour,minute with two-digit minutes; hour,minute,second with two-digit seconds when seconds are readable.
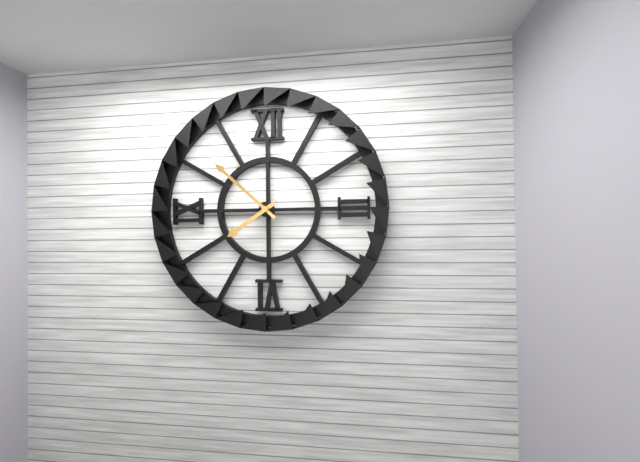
7,52
